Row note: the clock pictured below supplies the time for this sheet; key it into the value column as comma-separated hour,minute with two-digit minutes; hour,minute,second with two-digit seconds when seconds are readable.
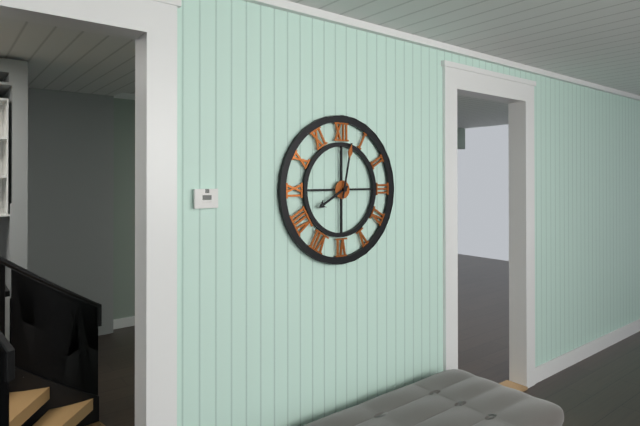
8,02
